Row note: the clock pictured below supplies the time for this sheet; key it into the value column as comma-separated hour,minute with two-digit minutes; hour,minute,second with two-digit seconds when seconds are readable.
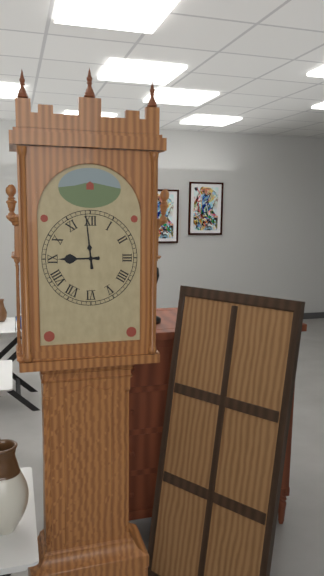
8,59
